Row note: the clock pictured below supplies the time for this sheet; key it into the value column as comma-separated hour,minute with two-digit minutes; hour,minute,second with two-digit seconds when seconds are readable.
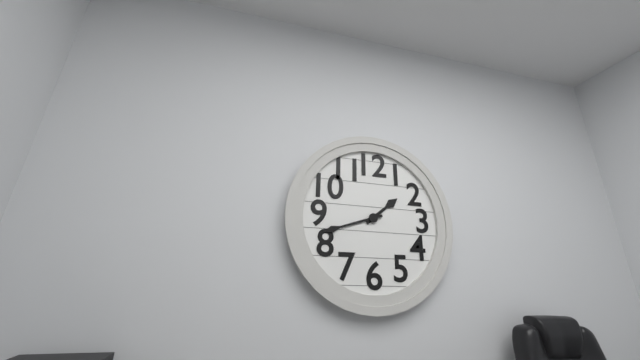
1,42
